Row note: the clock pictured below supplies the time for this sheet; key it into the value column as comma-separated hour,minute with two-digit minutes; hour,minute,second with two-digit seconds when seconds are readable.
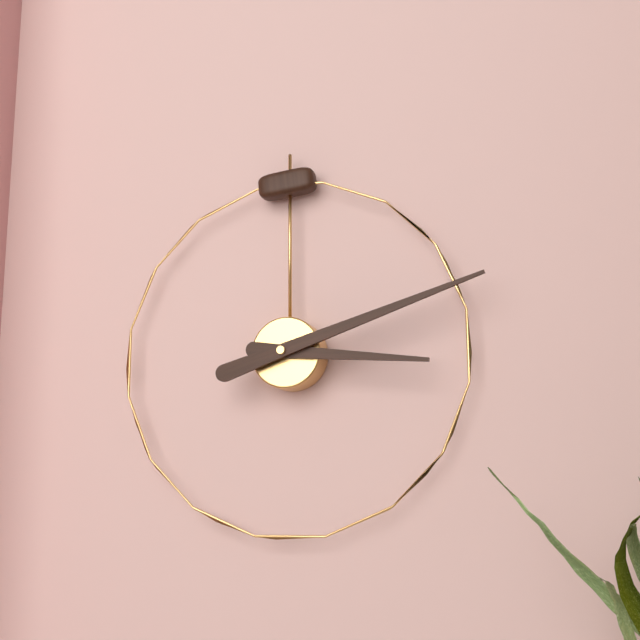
3,12
